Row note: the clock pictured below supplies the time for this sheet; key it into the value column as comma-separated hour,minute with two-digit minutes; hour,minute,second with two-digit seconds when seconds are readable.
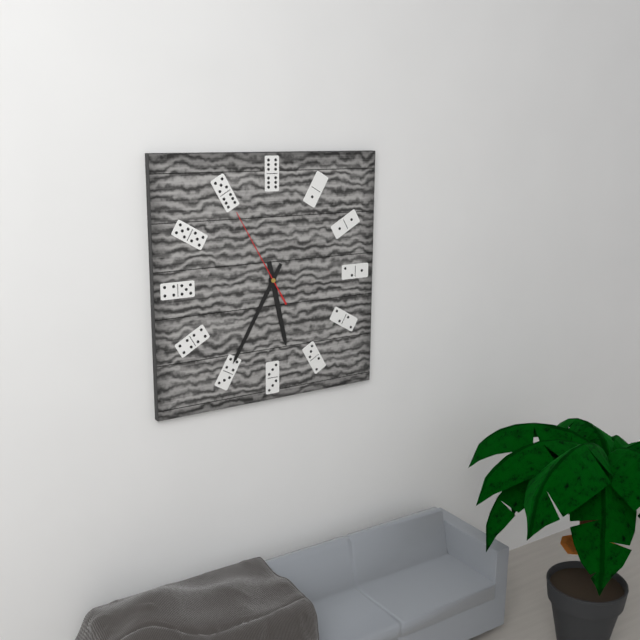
5,35,55
